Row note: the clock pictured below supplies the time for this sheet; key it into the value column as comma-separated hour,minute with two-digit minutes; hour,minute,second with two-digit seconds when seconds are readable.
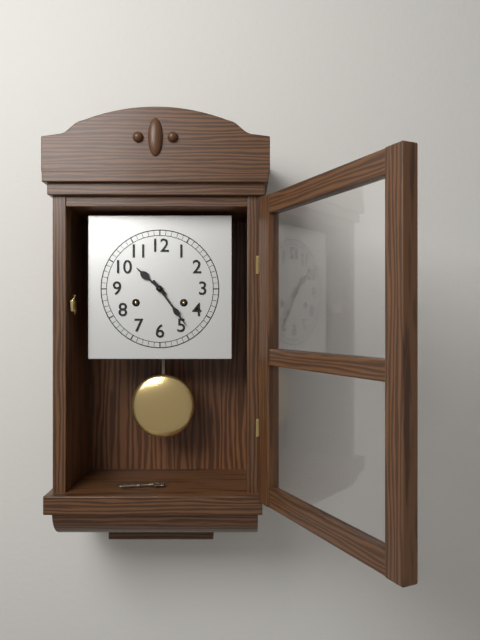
10,24
